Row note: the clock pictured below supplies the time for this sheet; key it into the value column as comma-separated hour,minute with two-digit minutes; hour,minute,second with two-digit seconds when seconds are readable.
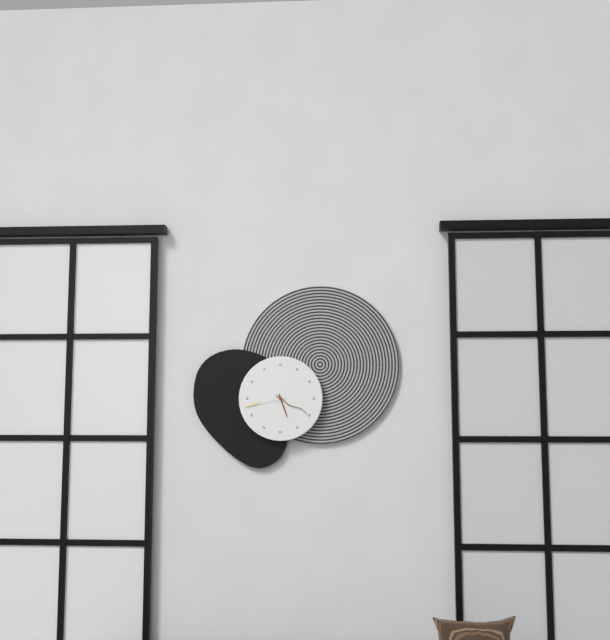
5,20
